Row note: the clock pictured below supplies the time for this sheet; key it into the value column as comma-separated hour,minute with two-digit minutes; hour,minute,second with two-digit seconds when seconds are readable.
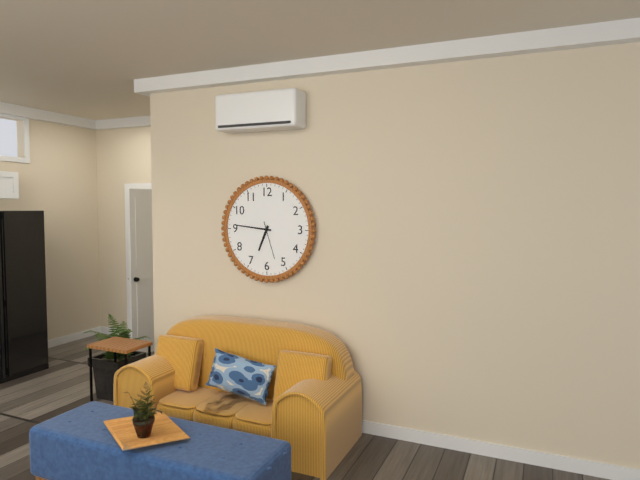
6,46
